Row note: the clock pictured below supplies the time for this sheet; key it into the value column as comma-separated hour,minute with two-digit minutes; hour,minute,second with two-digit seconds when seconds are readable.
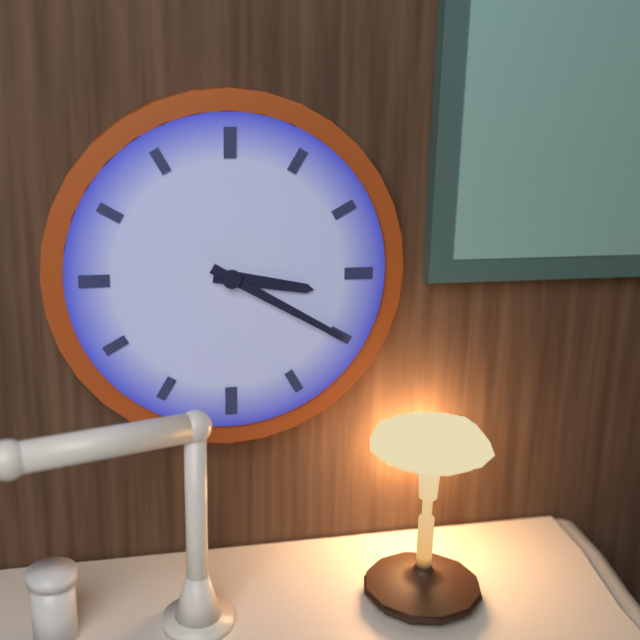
3,20
